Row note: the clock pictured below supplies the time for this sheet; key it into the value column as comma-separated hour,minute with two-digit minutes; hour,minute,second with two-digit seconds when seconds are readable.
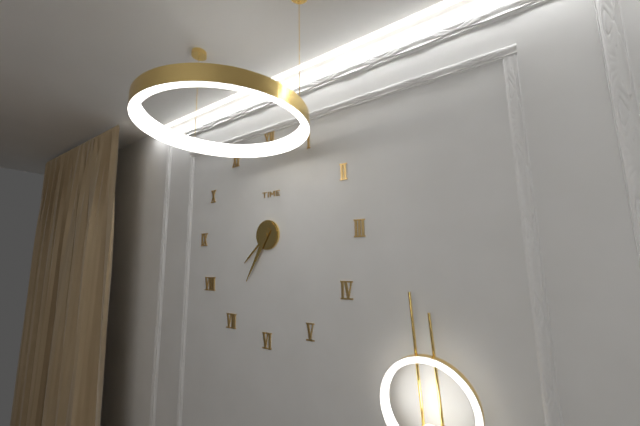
7,35
